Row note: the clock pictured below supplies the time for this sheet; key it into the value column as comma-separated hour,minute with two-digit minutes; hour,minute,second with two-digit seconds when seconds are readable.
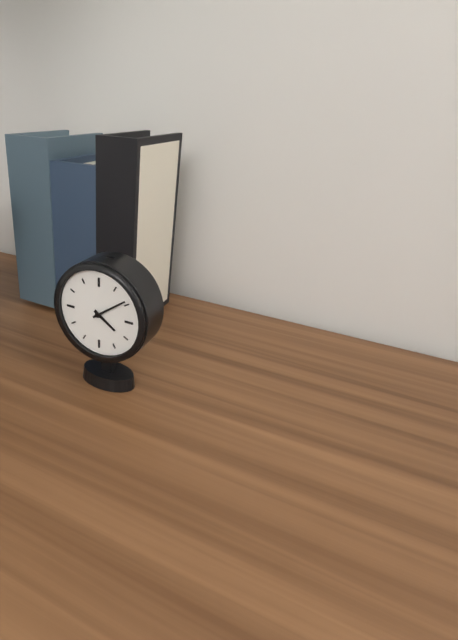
4,09
